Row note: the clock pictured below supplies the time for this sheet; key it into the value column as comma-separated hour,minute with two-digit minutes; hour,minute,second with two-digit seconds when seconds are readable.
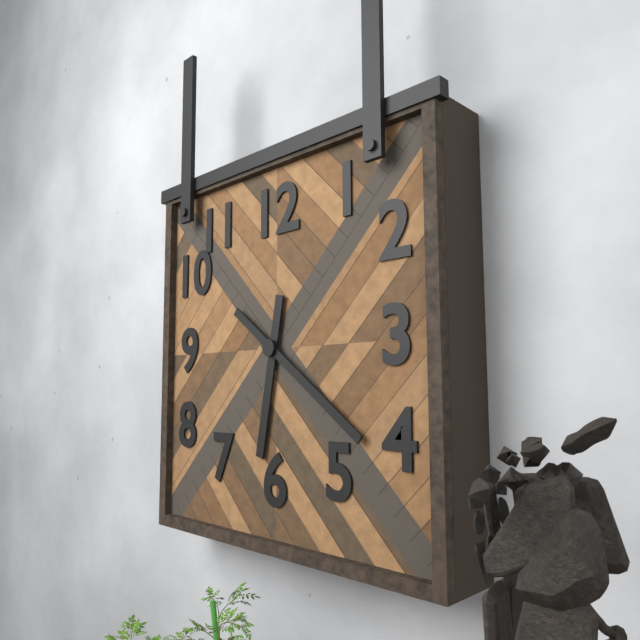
6,21
